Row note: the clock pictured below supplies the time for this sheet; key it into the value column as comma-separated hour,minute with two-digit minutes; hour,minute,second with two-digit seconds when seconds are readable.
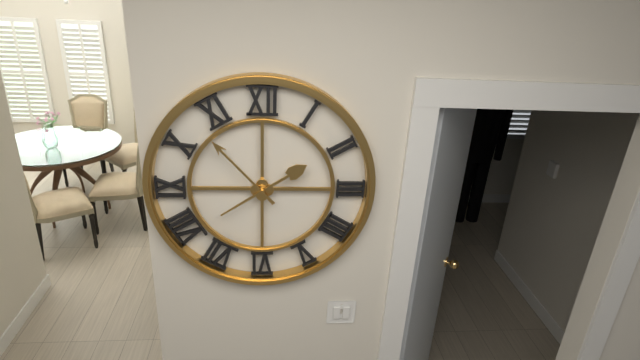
1,53
